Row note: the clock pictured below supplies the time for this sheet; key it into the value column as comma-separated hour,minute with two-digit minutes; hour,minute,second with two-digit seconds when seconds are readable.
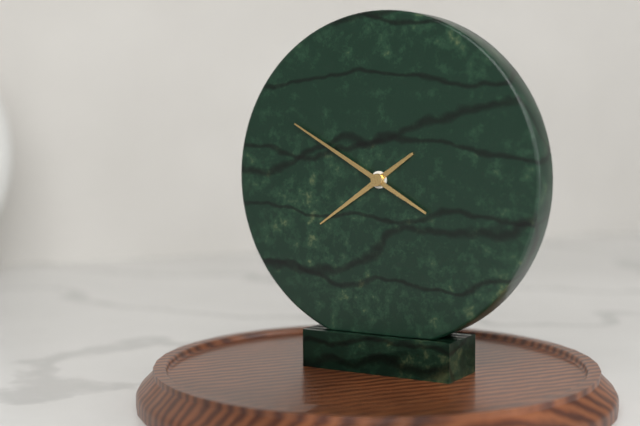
7,50
